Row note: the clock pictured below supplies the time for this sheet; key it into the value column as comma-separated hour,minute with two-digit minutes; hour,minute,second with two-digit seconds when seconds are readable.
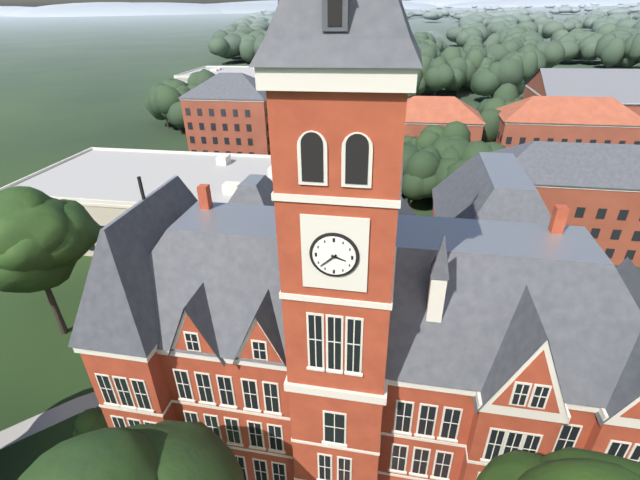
3,38
